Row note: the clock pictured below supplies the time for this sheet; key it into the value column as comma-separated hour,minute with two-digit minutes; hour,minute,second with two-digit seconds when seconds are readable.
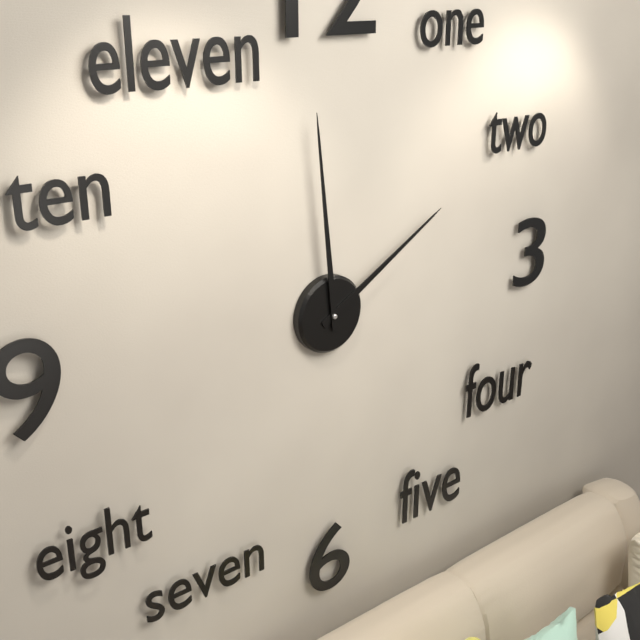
1,59
